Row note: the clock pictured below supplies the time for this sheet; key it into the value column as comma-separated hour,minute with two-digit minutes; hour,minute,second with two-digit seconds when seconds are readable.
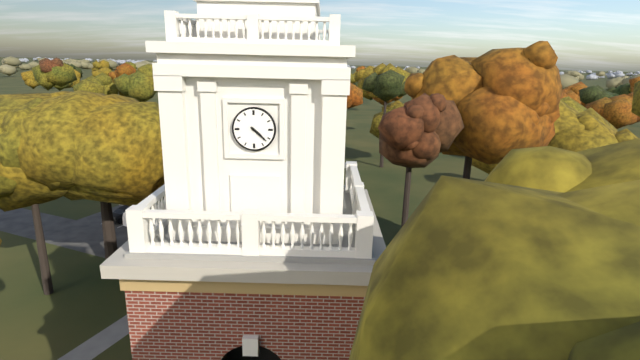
4,22
